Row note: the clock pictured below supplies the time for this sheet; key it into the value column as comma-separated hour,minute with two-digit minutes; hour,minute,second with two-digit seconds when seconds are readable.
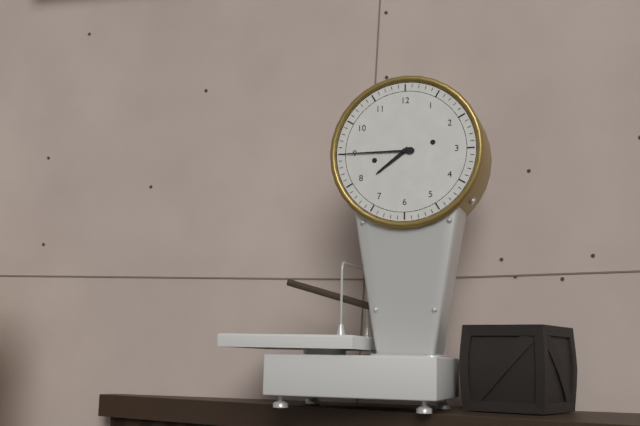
7,45
